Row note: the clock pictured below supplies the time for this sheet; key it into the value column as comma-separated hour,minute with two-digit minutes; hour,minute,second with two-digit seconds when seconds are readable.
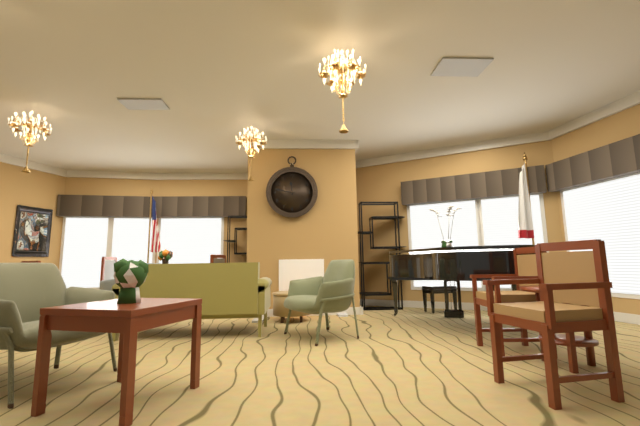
11,47
